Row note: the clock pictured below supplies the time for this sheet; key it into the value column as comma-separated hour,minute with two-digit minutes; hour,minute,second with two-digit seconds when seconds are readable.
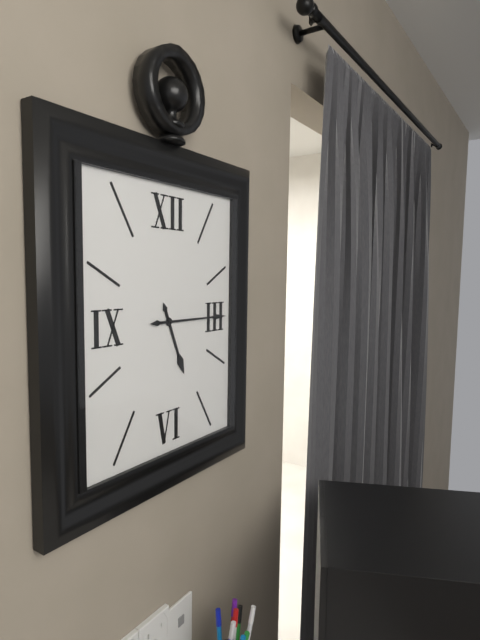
5,15
